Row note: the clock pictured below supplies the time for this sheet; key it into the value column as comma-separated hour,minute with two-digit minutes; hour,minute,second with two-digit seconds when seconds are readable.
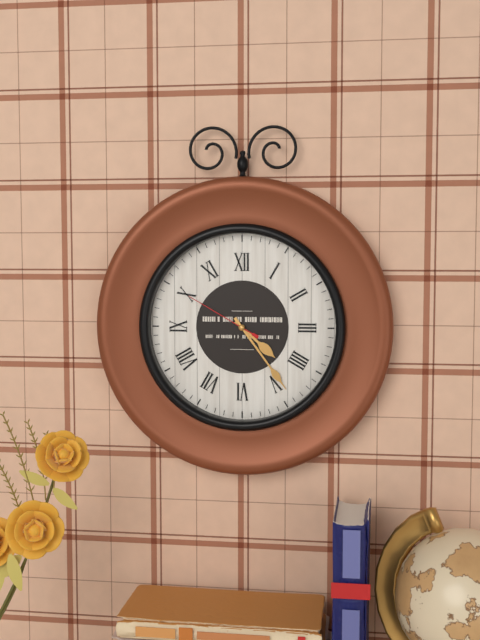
4,24,50
